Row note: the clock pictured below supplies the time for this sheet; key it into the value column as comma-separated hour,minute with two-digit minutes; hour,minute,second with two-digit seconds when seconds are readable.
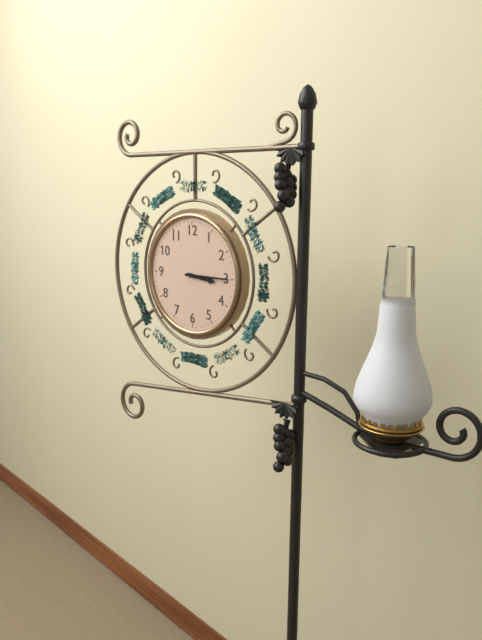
3,15
